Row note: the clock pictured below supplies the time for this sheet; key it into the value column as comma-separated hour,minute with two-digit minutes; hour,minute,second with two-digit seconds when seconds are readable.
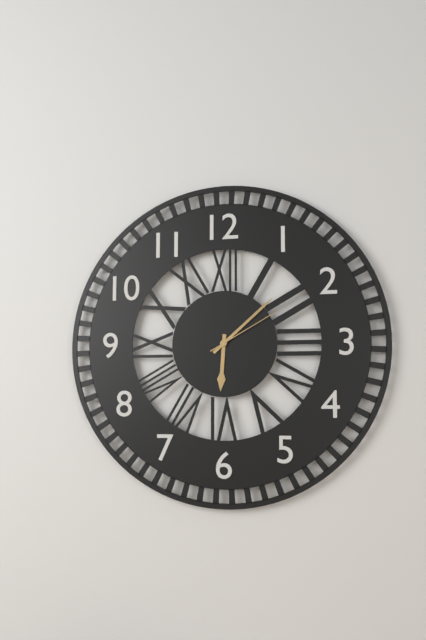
6,08,10
